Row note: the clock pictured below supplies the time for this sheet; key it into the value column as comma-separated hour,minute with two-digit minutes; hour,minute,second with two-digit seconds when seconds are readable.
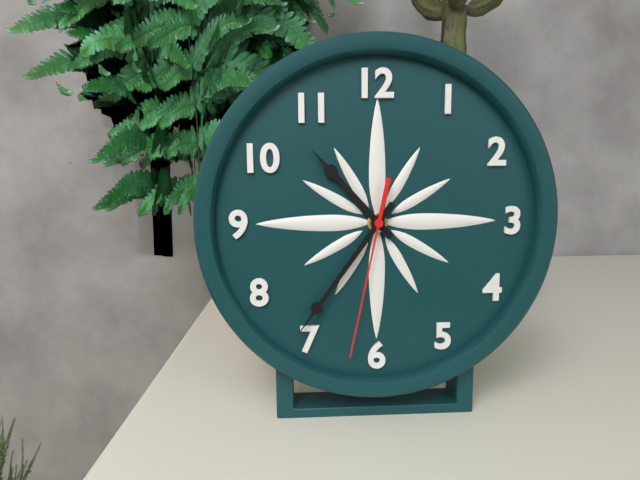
10,36,32
